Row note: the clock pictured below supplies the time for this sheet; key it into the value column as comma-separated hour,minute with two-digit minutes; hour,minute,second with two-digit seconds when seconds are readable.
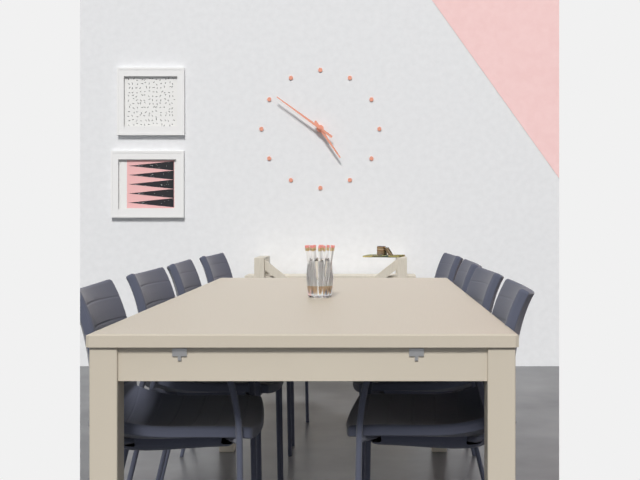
4,51
